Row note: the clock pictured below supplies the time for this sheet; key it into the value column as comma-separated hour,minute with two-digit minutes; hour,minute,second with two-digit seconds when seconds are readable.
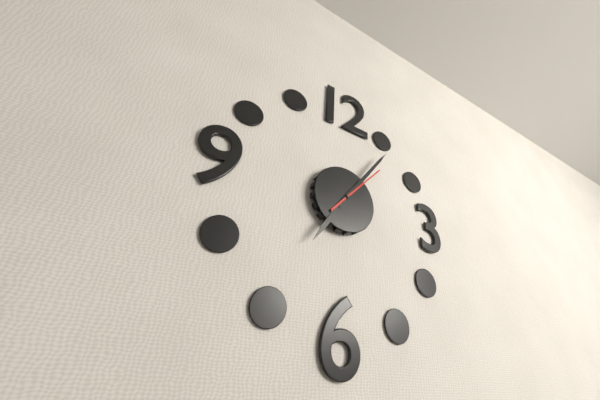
7,06,07
